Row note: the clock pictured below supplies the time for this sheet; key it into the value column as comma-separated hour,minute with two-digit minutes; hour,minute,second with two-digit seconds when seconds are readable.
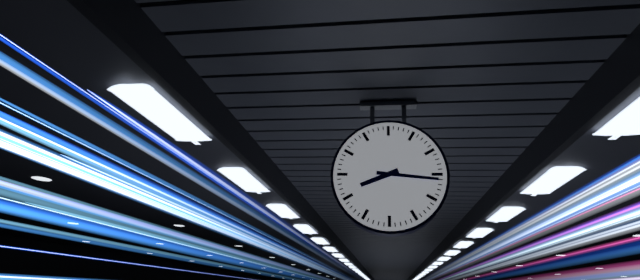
8,16
